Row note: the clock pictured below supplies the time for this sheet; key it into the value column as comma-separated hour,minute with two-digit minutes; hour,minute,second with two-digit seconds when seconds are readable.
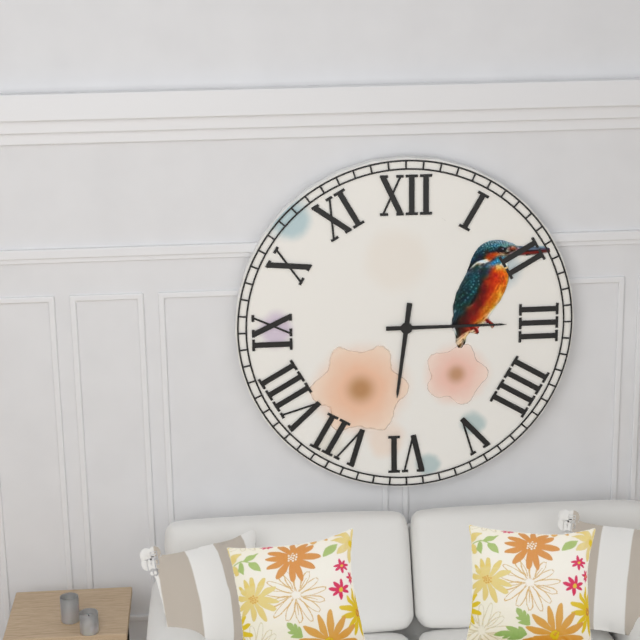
6,15
